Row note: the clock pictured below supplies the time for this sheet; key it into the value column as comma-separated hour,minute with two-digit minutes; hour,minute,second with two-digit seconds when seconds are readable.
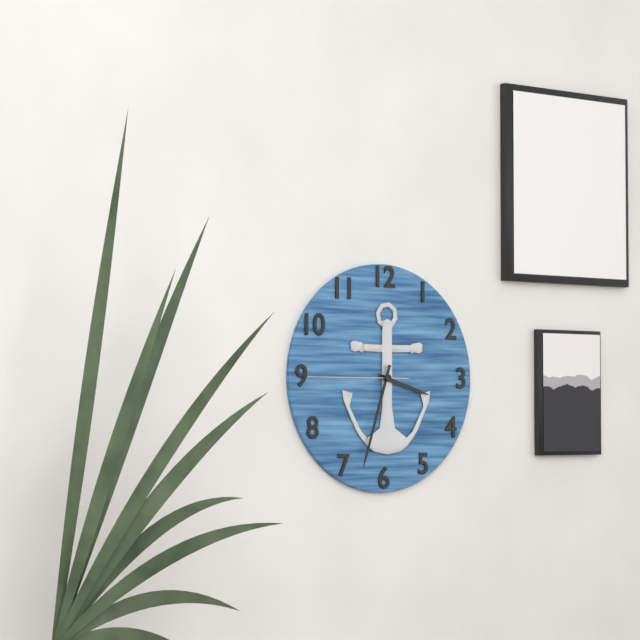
3,33,45
